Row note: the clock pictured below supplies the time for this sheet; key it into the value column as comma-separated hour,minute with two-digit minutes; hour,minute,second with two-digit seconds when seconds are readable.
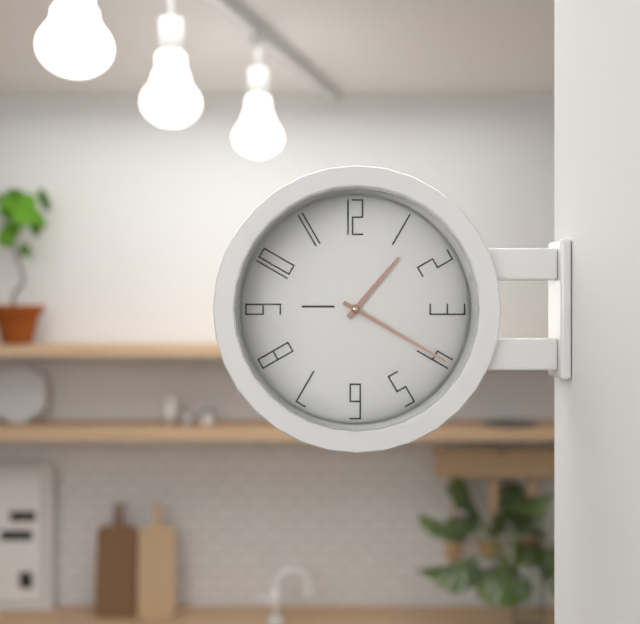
1,20
